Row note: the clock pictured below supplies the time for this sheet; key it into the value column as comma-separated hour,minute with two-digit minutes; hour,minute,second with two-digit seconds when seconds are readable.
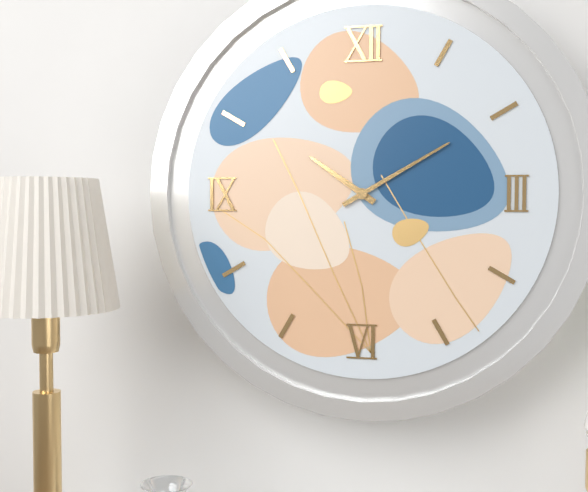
10,10
